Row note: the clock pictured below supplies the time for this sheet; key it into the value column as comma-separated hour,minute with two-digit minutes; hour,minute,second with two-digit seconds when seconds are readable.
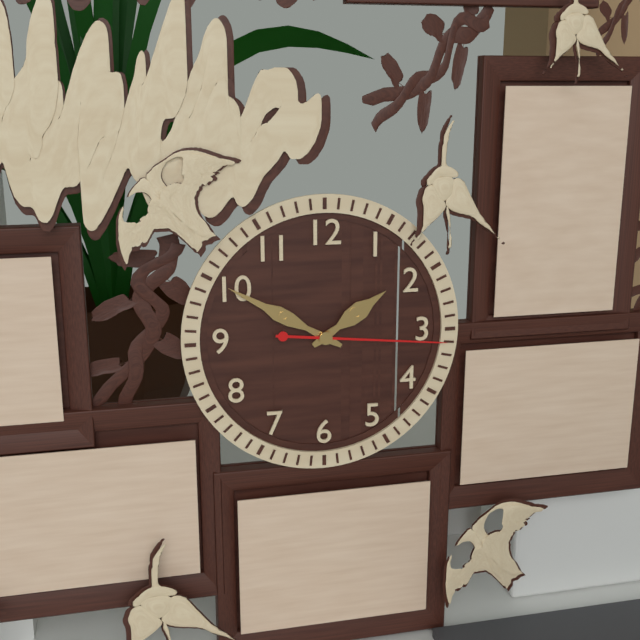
1,50,16
